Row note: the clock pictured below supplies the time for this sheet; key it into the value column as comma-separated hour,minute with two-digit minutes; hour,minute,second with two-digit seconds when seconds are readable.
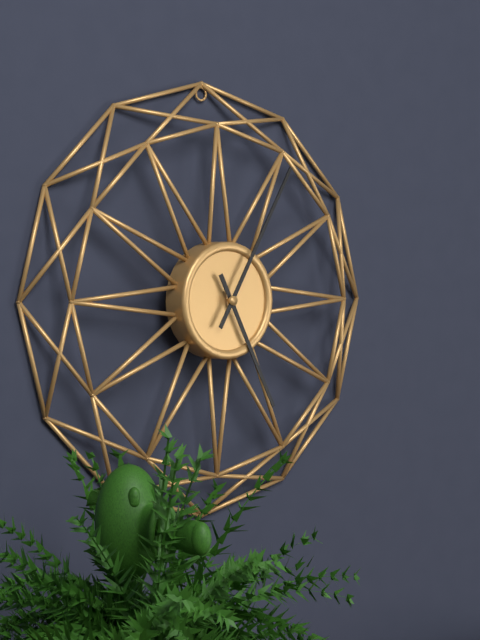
5,05
